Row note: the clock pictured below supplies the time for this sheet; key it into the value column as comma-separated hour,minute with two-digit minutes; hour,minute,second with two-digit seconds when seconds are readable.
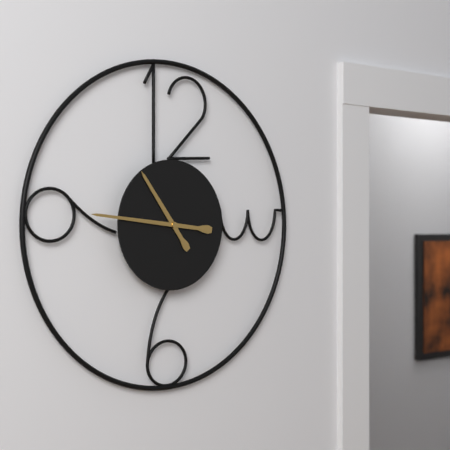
10,46
